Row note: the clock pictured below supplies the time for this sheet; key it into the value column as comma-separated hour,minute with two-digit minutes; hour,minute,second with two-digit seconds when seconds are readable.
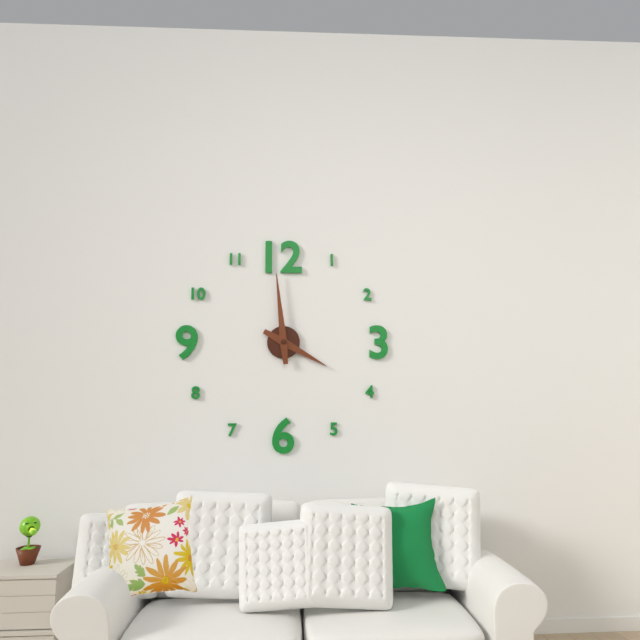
3,59
